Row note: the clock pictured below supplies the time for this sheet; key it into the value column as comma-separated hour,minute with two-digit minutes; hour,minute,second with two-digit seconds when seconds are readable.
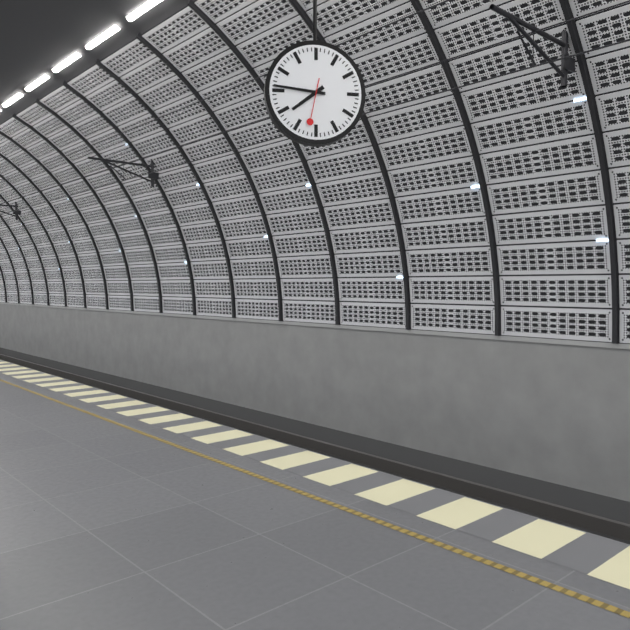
7,46
